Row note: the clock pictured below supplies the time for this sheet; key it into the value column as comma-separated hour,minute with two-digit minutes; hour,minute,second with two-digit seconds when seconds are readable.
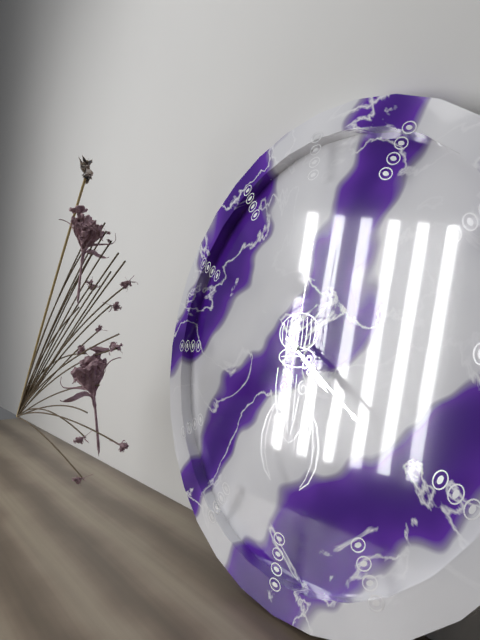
4,21,01
